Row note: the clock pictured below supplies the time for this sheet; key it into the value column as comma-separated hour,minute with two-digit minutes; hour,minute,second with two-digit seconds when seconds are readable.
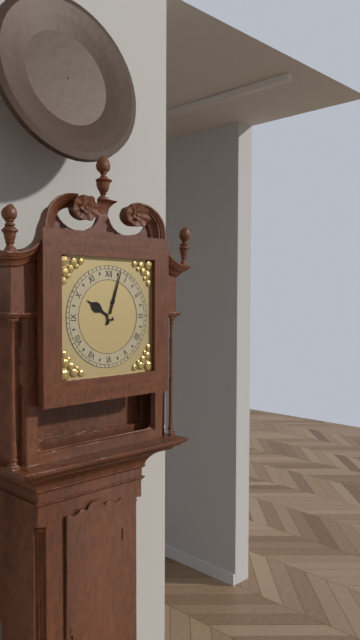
10,03
